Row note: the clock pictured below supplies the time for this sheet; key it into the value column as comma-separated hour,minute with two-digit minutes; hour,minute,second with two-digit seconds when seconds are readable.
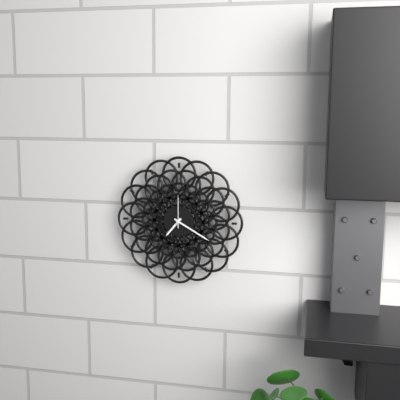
7,20
